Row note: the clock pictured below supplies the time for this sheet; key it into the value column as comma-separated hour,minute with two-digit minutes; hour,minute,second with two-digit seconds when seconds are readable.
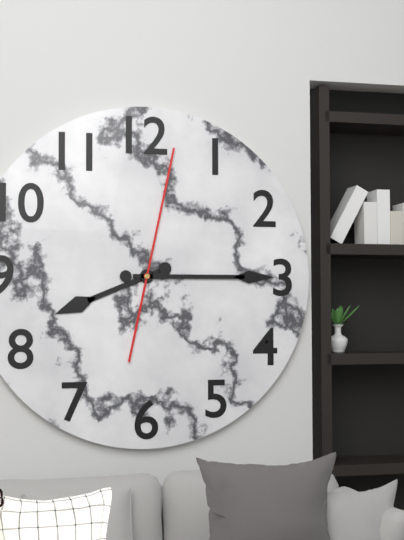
8,15,02
